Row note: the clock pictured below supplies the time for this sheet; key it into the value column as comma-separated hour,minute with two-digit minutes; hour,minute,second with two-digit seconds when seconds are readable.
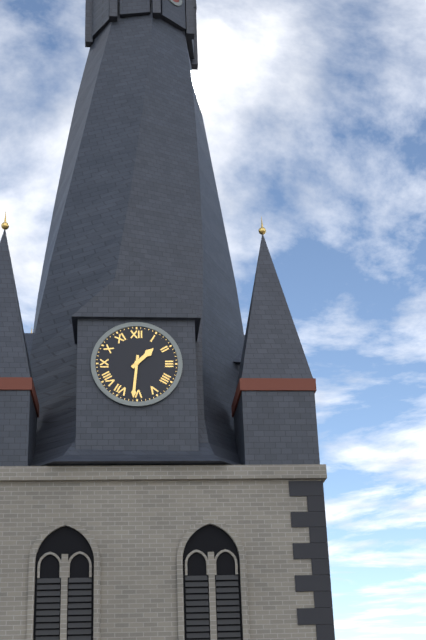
1,31
